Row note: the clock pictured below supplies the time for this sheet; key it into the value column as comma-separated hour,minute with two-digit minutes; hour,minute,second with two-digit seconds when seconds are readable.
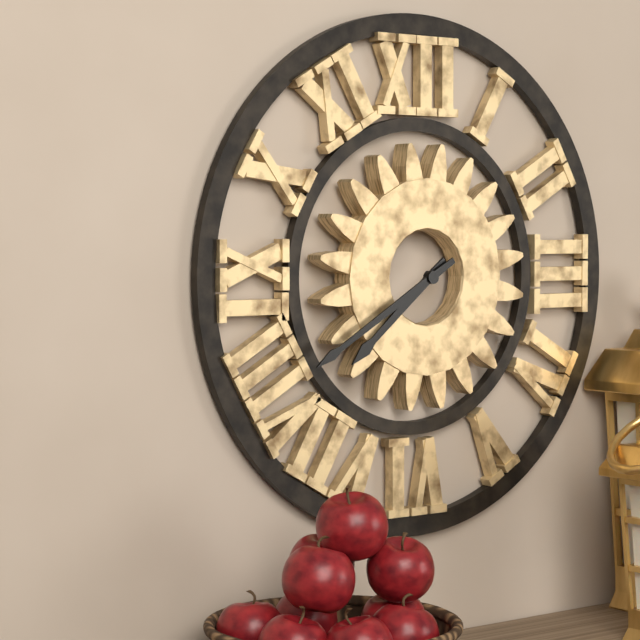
7,40
